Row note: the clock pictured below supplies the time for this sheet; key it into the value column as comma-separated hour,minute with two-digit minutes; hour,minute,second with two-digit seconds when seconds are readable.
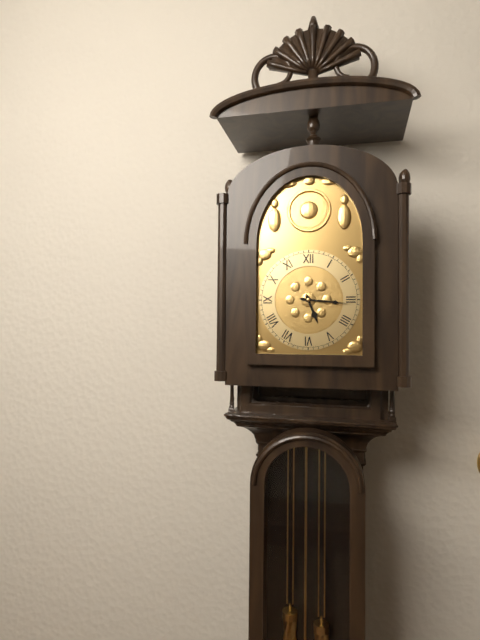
5,16
